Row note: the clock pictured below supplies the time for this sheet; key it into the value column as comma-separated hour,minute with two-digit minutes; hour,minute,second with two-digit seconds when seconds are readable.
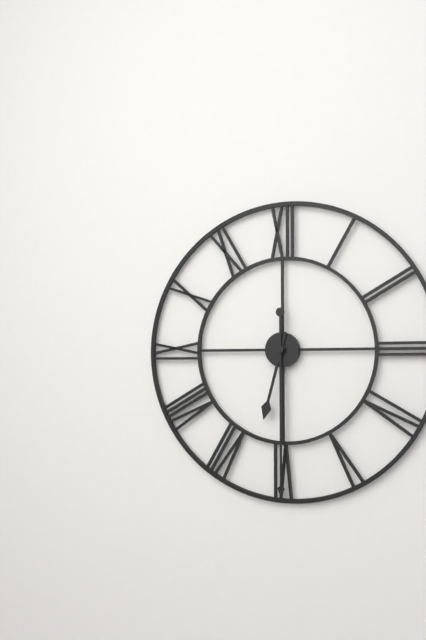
6,30
